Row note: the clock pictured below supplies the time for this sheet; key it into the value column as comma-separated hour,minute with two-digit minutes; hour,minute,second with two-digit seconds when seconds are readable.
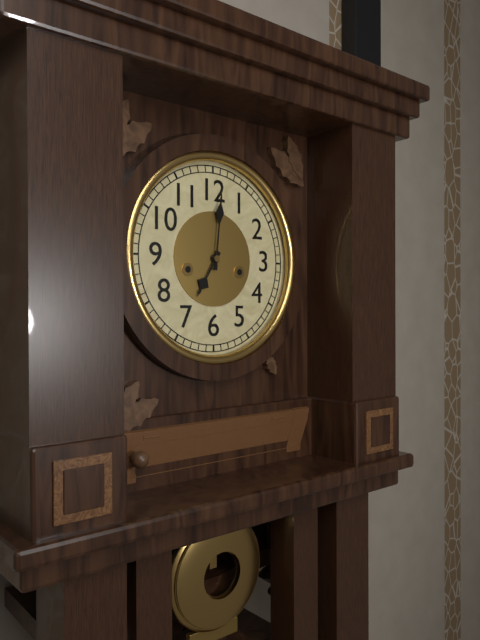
7,01
